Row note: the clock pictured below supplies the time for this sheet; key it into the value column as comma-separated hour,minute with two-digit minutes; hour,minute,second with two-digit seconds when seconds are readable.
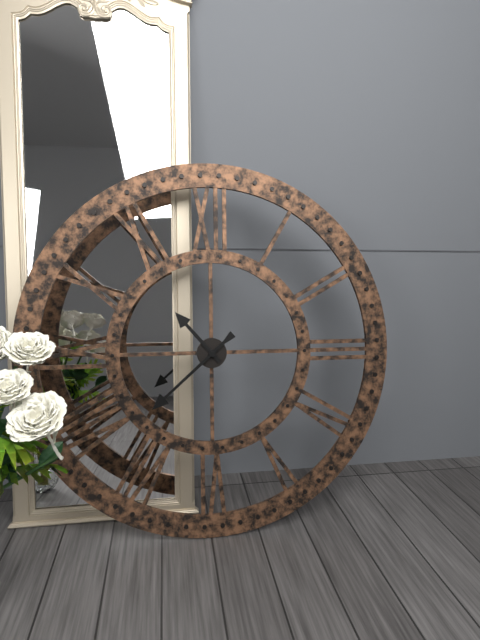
10,38
